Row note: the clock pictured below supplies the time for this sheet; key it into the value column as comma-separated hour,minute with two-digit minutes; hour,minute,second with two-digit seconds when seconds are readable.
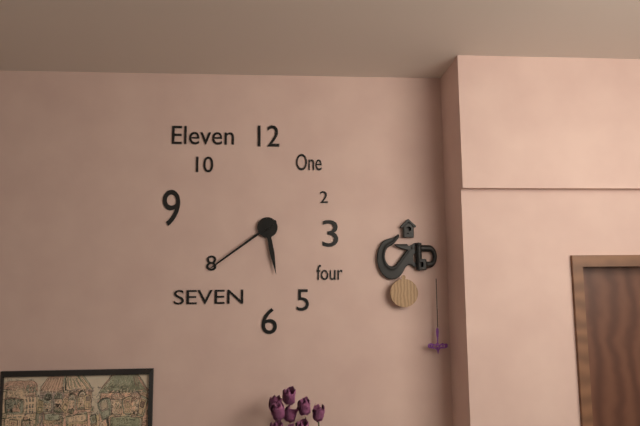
5,39
